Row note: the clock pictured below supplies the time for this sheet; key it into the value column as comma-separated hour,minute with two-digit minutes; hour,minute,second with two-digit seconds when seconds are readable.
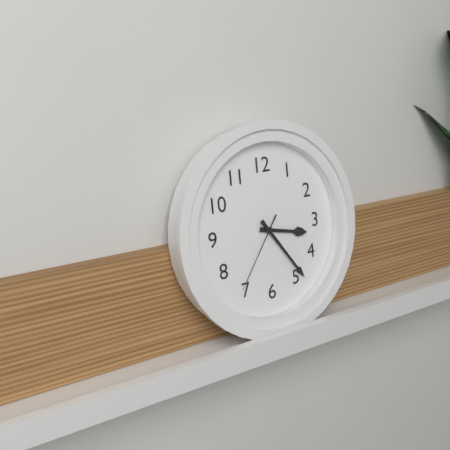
3,24,36
